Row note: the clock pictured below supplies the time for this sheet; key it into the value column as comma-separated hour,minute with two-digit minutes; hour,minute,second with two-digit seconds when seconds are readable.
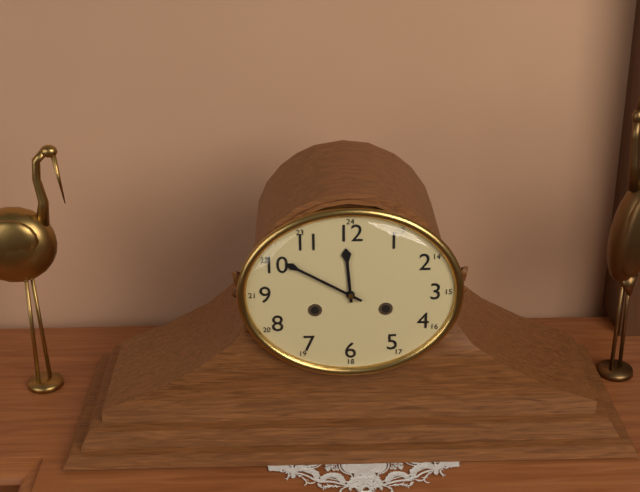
11,50
